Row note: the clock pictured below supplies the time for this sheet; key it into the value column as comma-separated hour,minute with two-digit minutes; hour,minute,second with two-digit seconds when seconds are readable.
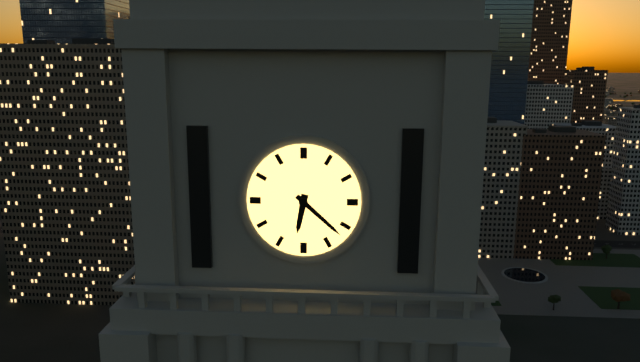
6,22
